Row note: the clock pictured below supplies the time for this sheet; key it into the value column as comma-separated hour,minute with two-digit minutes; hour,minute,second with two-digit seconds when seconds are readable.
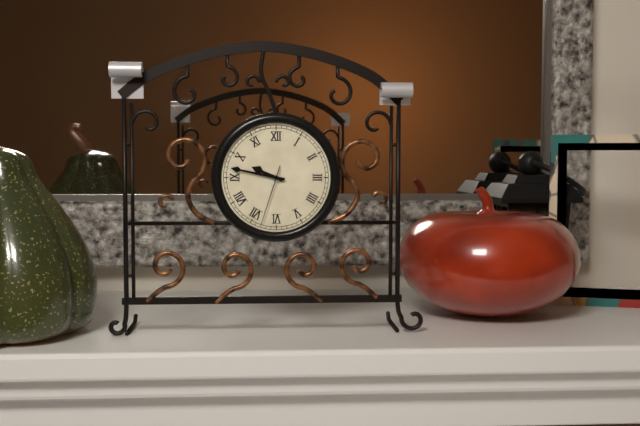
9,47,33
